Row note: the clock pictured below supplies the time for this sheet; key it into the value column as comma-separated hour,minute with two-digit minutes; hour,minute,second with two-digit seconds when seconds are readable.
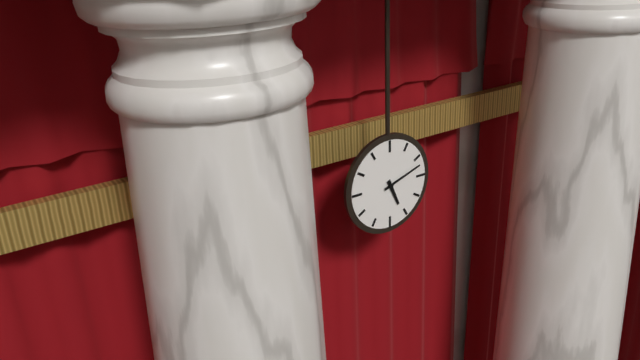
5,12
